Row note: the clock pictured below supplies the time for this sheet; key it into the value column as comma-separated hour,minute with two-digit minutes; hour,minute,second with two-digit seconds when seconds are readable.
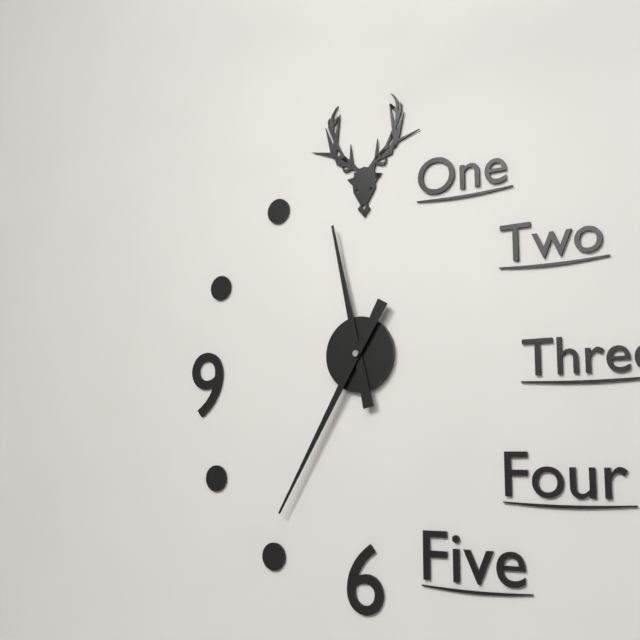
11,35
